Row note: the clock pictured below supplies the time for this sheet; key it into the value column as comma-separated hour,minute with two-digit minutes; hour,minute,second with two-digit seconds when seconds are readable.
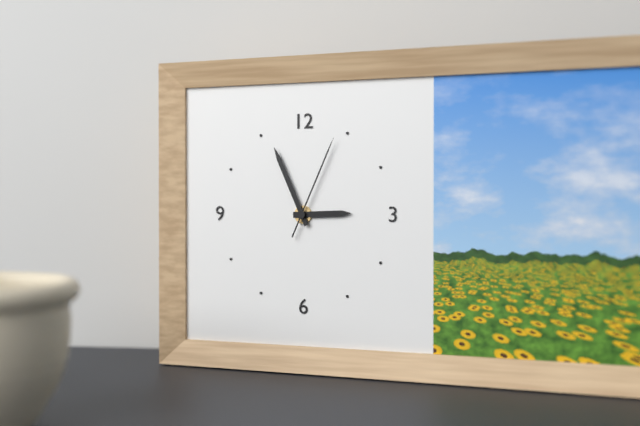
2,56,04
